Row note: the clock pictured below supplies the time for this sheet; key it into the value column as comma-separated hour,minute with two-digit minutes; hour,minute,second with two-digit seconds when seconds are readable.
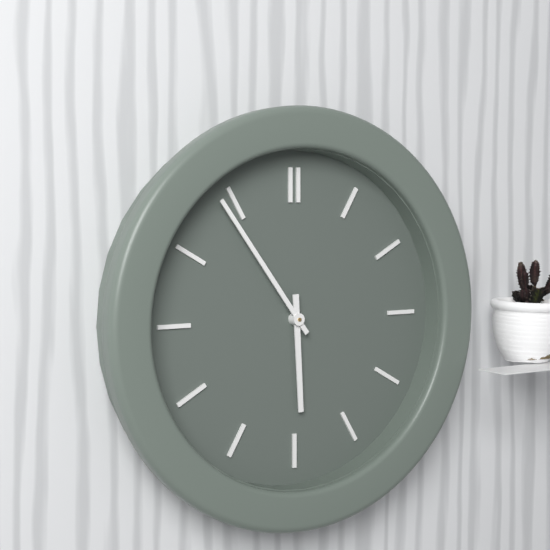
5,54
